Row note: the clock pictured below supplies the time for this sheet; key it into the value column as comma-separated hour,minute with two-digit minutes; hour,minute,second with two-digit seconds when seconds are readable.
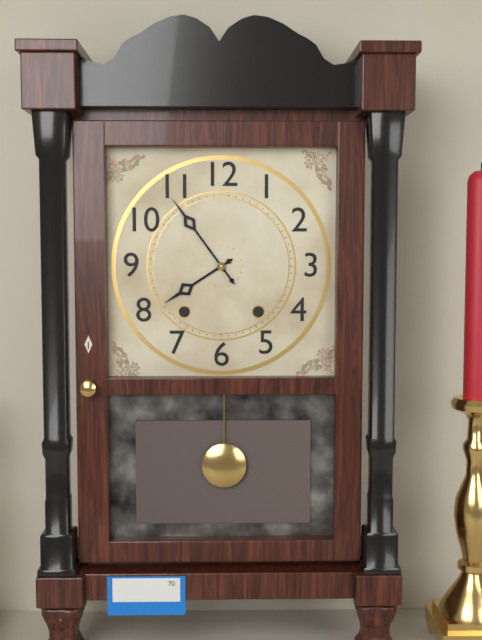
7,54
